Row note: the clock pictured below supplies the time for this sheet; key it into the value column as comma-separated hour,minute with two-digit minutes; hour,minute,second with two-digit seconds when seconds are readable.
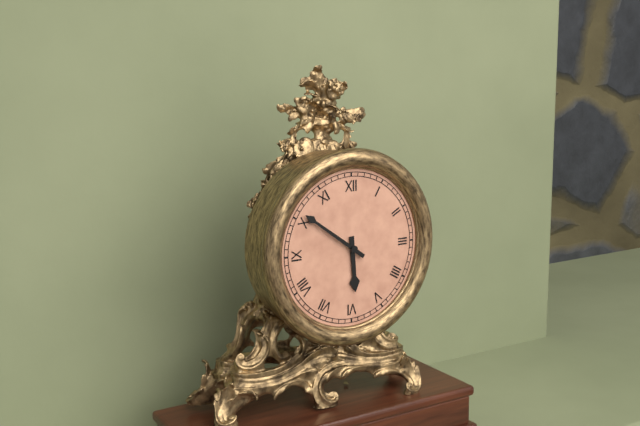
5,51
